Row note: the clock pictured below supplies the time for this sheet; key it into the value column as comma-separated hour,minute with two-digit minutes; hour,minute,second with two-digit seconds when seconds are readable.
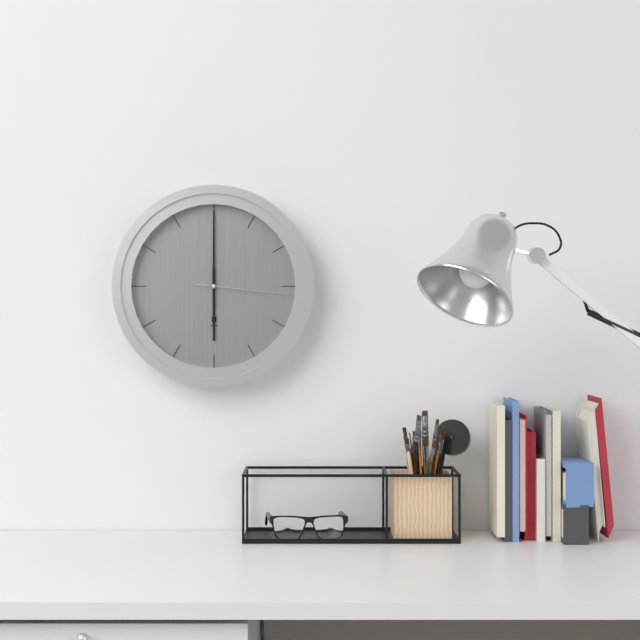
6,00,16
